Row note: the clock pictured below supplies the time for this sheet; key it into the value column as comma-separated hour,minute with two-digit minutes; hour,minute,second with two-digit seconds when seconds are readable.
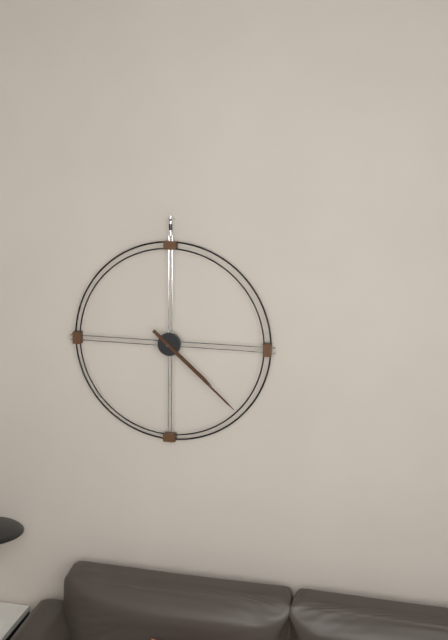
4,22
